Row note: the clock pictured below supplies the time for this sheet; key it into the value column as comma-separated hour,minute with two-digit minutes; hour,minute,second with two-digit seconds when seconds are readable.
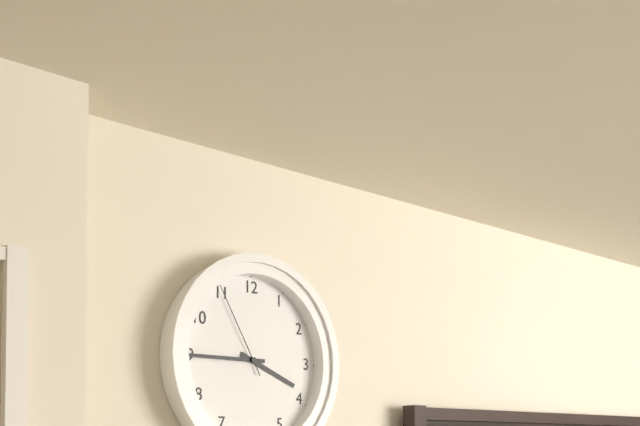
3,45,55
